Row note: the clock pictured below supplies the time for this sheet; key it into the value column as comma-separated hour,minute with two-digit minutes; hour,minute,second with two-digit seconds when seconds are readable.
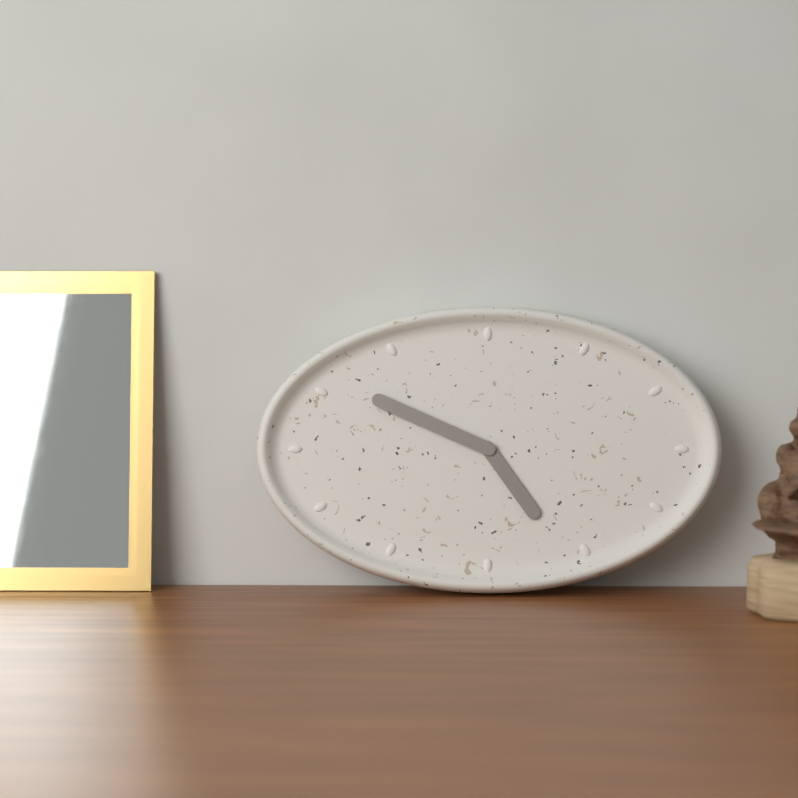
4,49
